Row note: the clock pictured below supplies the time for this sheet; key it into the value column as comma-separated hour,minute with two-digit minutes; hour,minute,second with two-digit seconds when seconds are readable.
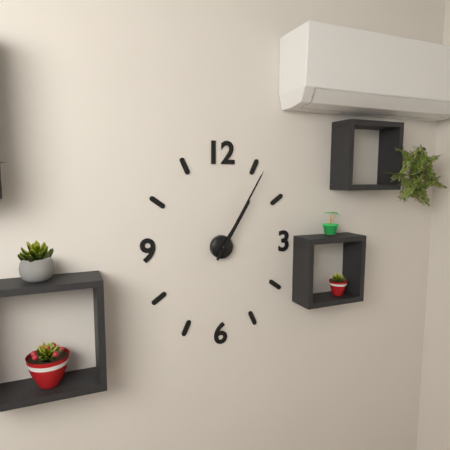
1,05
